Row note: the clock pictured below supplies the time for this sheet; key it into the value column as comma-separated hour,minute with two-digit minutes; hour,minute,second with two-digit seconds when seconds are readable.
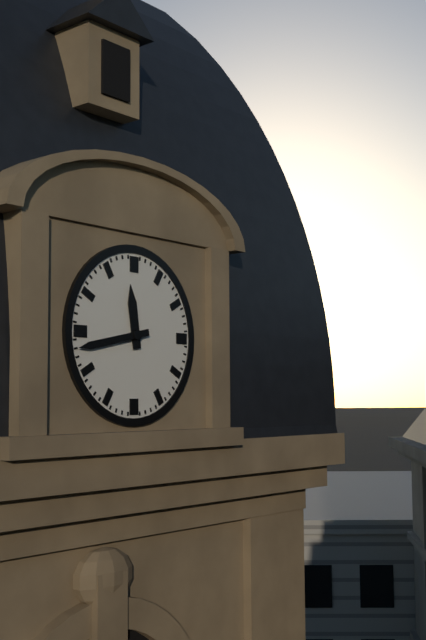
11,43
